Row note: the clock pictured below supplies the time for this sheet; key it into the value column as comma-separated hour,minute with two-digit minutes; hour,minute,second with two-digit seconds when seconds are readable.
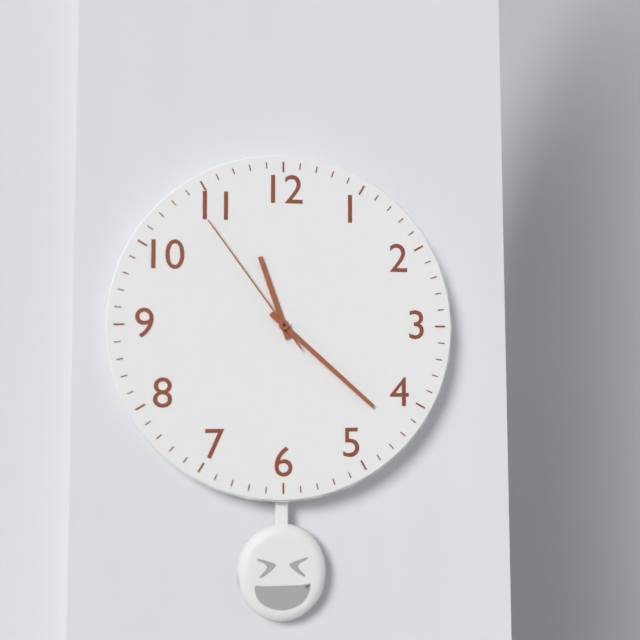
11,22,54
